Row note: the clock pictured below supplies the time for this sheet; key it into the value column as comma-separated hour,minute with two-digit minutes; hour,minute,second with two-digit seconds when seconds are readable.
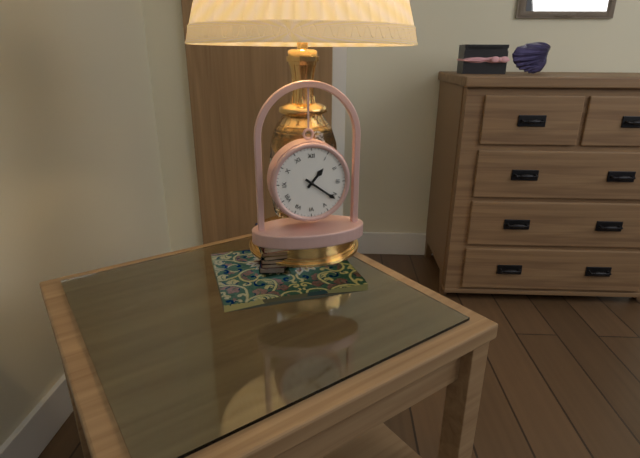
1,21
